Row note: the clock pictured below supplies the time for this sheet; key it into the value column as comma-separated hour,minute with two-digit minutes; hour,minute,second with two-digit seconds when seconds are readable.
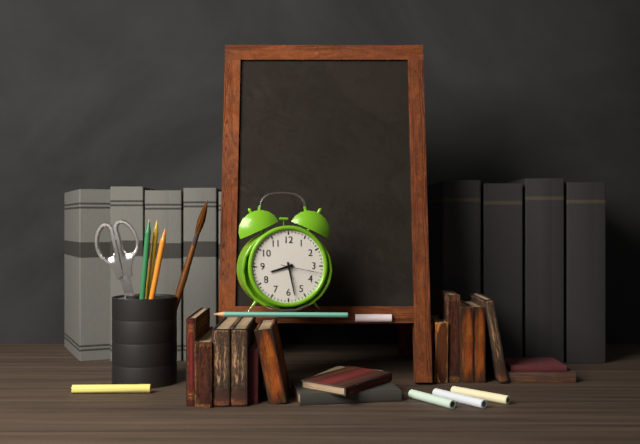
8,28
